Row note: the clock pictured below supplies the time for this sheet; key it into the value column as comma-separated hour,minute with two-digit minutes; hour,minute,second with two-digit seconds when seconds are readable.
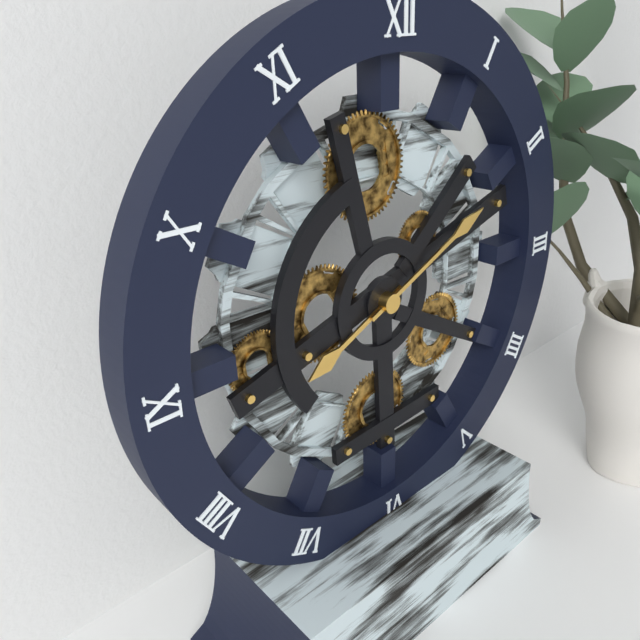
8,11
